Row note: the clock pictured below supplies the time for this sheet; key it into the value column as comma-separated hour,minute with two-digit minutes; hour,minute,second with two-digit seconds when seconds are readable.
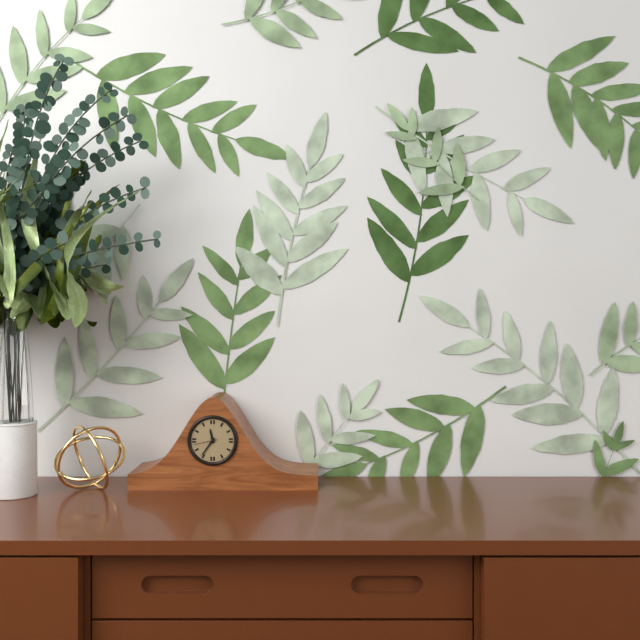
11,36
